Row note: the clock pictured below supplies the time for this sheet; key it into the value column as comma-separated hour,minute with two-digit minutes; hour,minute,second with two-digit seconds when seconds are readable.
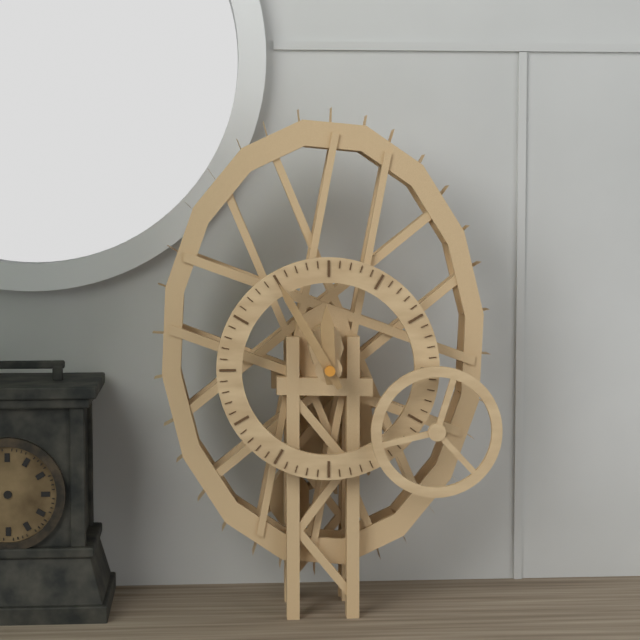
11,55
